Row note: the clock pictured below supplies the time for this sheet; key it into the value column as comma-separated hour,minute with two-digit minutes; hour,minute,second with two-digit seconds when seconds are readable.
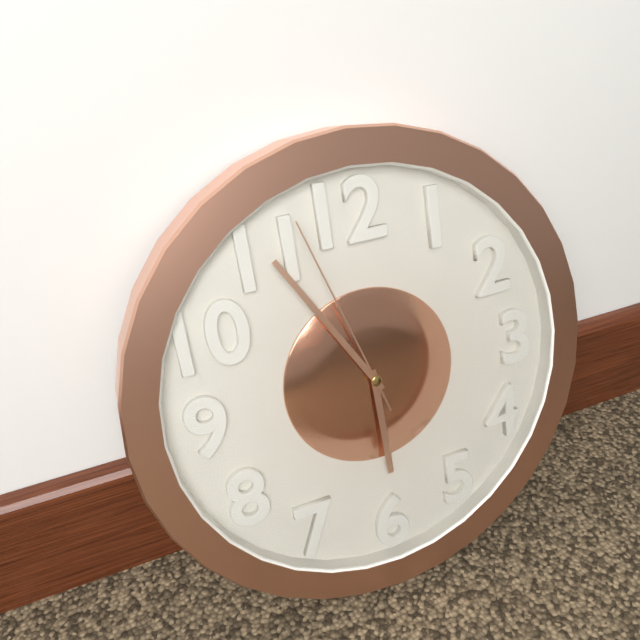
5,55,57
